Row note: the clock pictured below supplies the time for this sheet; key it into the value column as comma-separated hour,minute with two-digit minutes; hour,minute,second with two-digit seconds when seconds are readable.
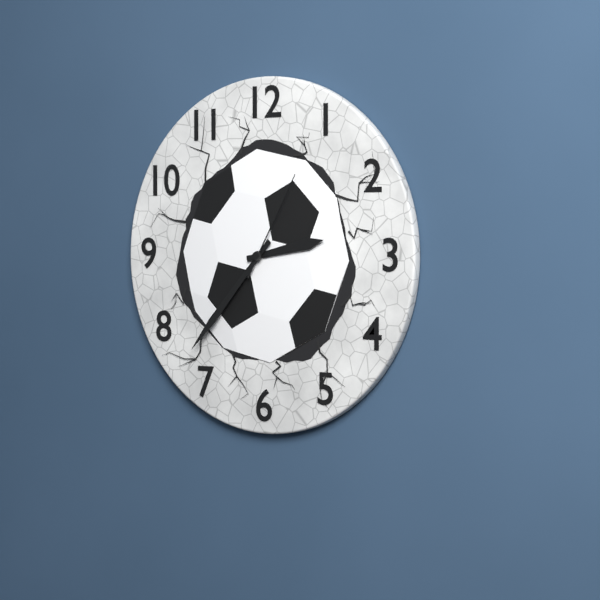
2,37,05
